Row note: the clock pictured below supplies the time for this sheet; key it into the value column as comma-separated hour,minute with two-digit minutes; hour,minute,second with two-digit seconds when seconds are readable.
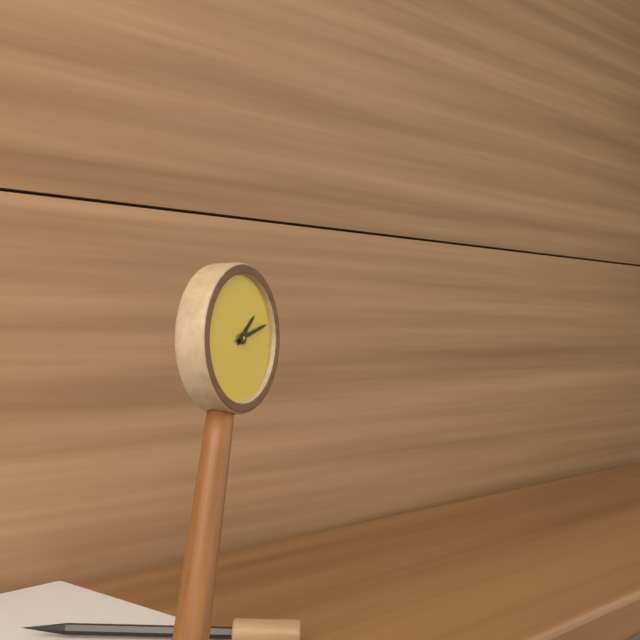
1,10
